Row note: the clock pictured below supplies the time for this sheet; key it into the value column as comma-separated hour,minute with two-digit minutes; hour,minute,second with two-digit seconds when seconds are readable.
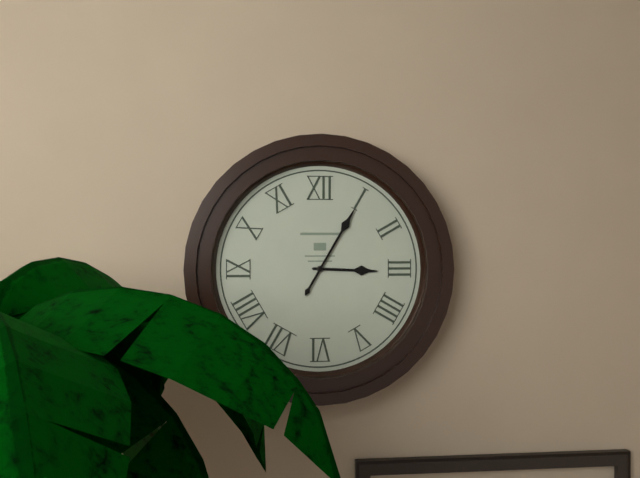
3,05
